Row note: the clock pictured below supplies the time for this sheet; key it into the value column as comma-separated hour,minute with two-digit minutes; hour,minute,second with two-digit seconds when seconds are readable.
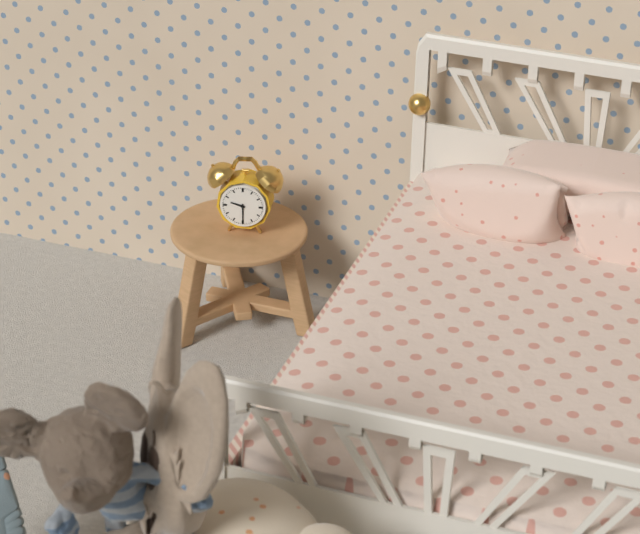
9,30
